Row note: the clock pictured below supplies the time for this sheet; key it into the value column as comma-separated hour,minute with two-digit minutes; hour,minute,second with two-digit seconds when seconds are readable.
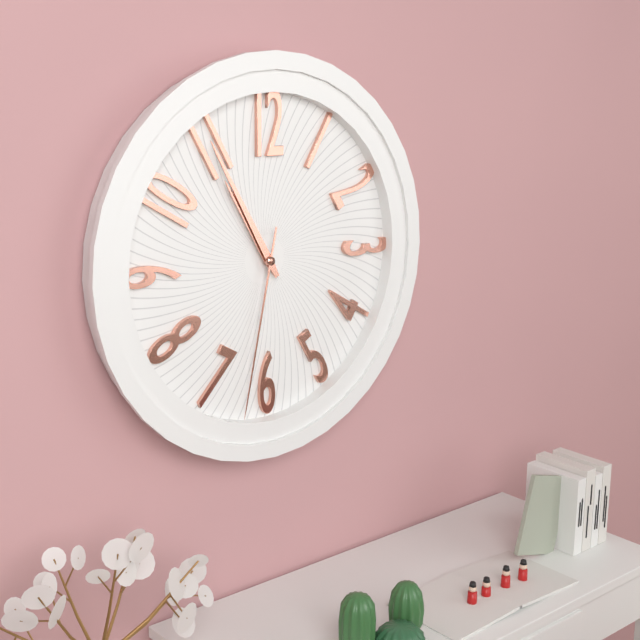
10,55,32
